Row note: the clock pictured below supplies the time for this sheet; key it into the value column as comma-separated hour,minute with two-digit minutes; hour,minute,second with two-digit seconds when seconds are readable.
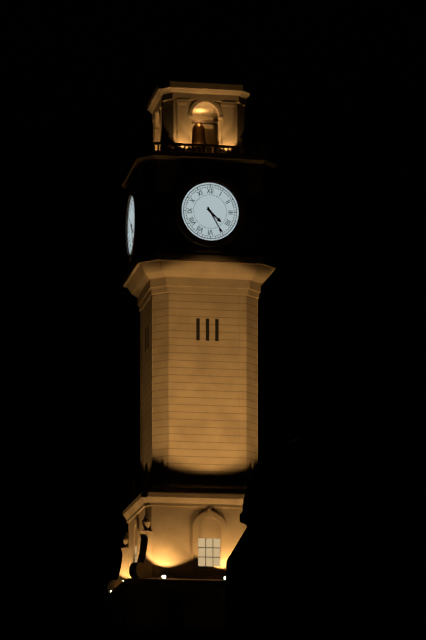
4,25
